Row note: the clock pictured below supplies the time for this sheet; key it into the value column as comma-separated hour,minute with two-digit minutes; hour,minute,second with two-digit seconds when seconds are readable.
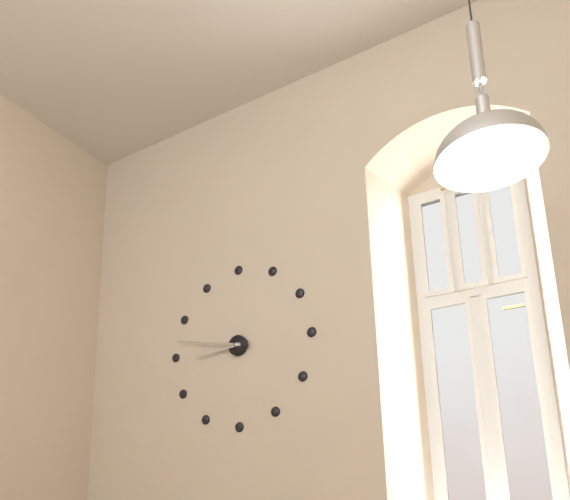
8,47
